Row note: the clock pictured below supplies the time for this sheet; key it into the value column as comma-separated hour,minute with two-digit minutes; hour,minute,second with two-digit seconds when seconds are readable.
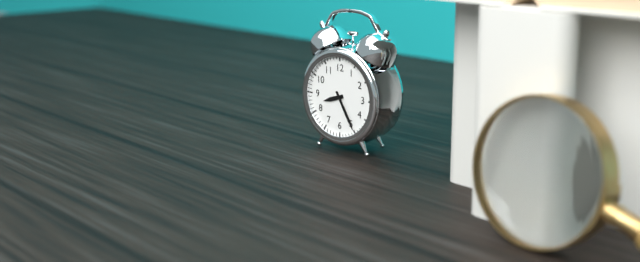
8,25
